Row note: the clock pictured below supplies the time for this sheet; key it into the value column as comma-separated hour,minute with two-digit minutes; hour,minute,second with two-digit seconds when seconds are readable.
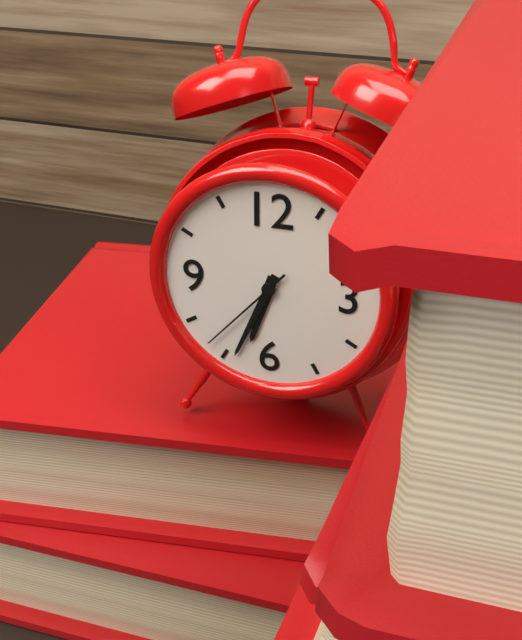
6,34,37
